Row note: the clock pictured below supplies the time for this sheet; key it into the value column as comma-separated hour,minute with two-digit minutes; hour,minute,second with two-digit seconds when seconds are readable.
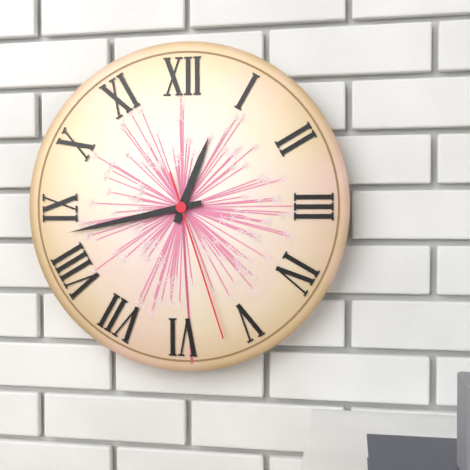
12,43,27
